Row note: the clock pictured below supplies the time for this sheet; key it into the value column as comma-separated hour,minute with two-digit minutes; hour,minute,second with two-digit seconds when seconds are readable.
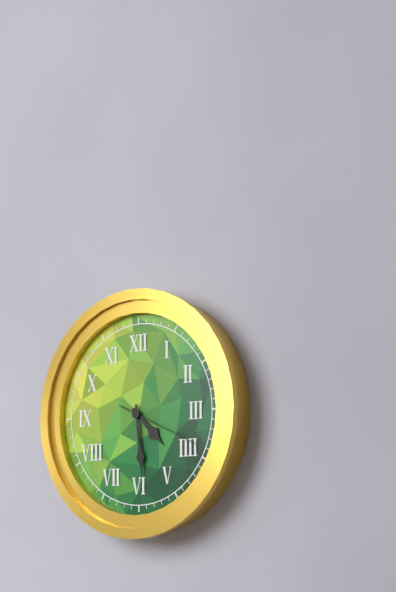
4,29,19
